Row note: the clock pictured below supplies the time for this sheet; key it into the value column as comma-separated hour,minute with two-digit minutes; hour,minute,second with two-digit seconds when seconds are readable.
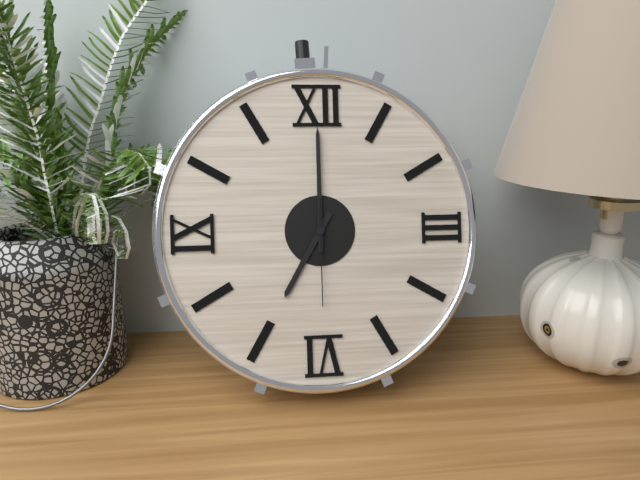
7,00,30
